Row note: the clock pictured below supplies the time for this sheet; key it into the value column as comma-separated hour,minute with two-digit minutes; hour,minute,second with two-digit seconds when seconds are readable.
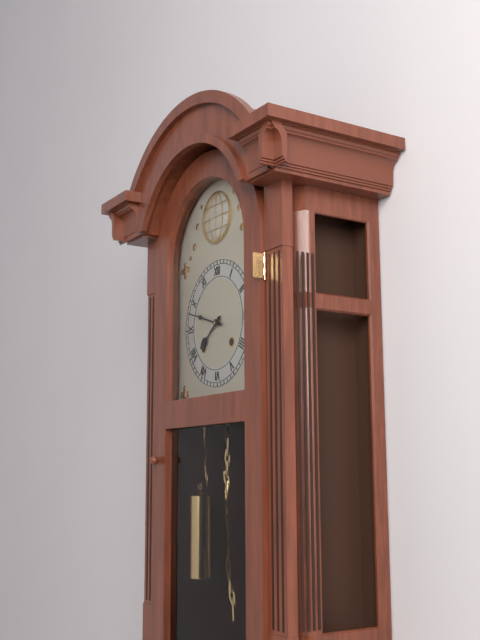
7,48
